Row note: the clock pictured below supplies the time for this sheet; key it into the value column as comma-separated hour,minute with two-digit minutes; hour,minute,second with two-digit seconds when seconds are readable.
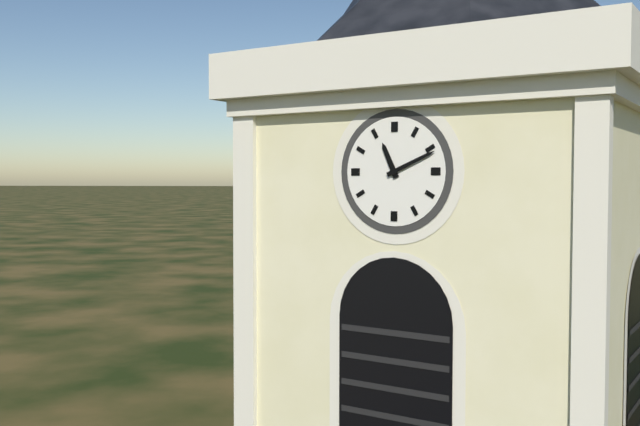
11,11
